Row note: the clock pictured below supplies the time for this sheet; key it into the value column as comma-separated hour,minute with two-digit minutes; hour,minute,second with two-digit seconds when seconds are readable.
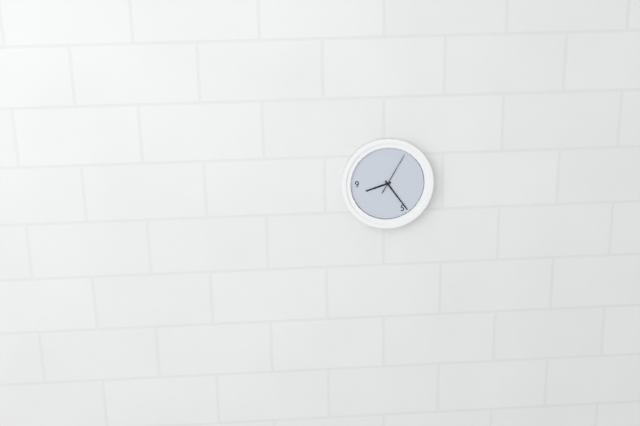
8,24
